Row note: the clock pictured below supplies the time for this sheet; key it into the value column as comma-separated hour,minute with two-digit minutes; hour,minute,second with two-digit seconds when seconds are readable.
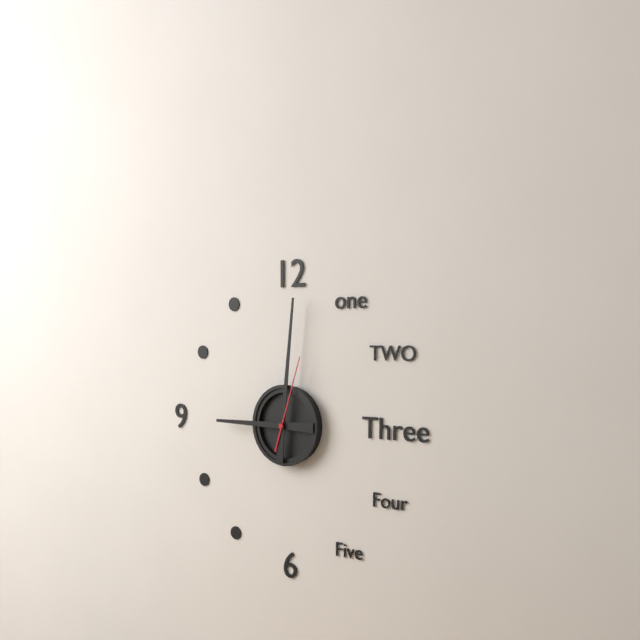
9,01,03
